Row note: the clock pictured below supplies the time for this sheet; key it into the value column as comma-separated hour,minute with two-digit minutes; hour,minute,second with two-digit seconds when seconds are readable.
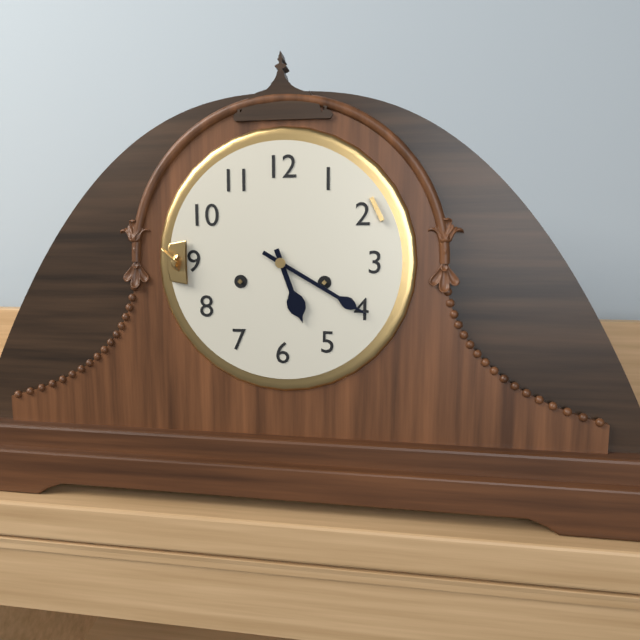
5,20
